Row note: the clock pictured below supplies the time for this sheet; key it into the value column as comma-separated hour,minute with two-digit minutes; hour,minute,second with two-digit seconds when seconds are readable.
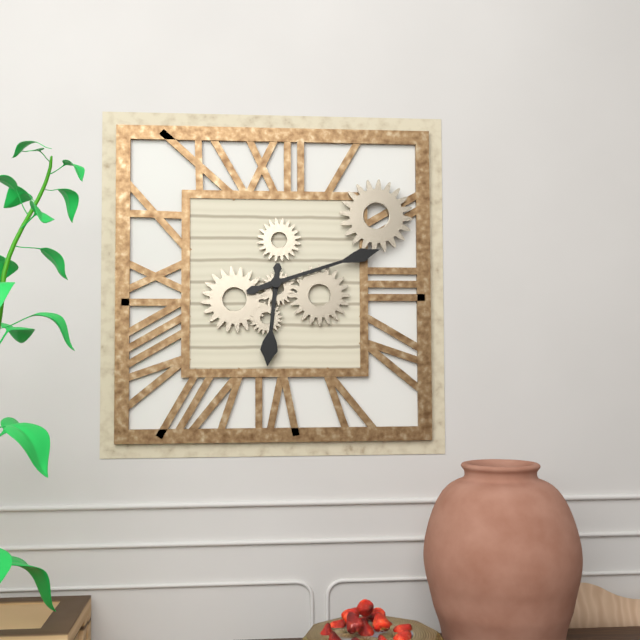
6,12
